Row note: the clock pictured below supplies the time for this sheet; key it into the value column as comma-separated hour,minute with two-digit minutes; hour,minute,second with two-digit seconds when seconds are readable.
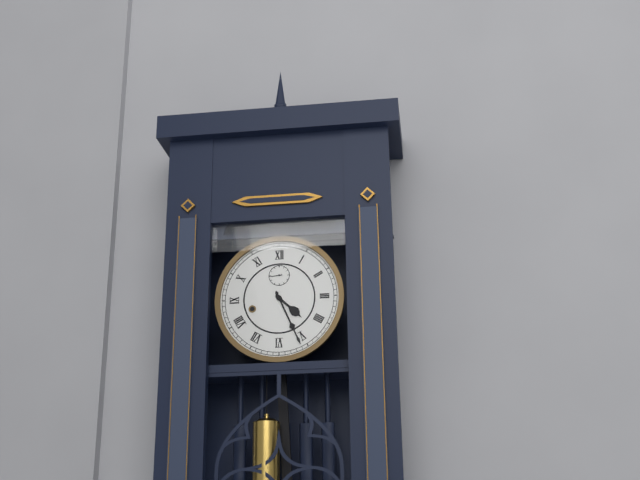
4,26
